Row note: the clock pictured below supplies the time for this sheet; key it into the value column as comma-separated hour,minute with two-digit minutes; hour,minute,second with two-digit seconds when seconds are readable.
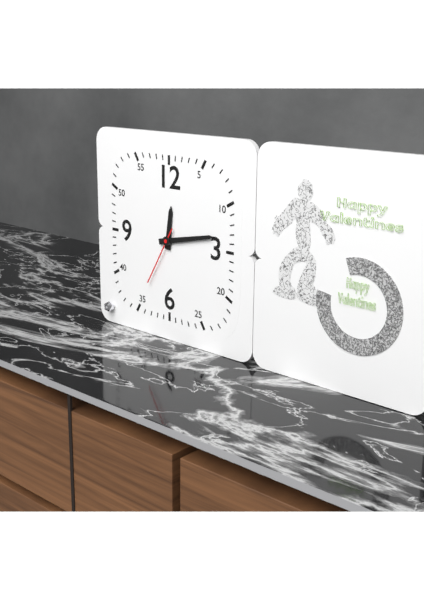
12,13,35
